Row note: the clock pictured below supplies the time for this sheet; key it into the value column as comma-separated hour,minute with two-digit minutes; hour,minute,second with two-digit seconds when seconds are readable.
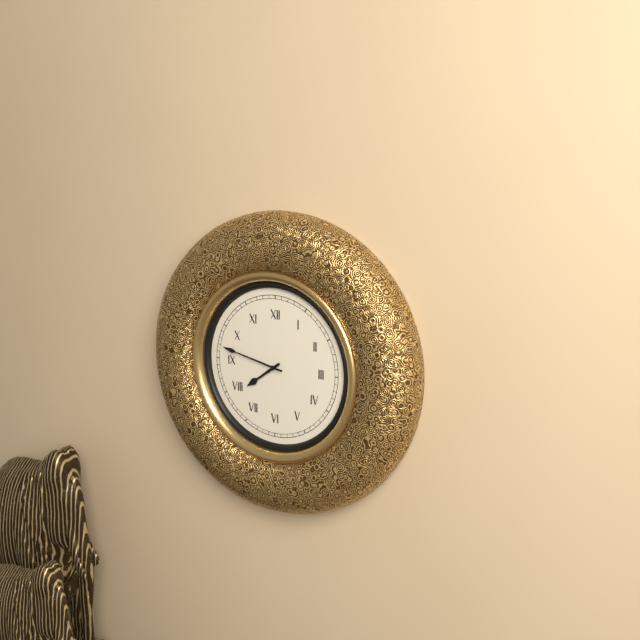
7,47
